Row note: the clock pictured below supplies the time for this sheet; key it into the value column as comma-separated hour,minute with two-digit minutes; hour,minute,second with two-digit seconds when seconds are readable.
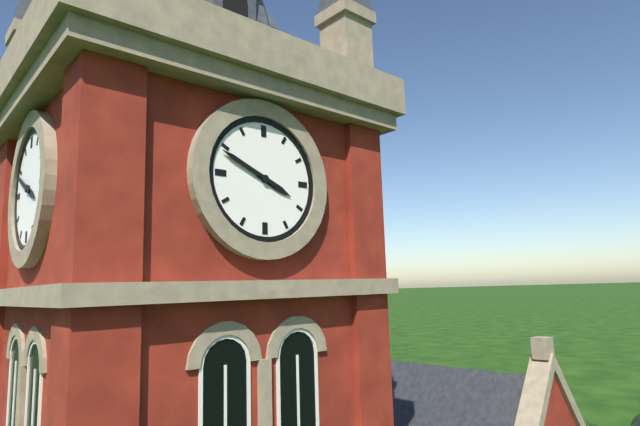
3,49
